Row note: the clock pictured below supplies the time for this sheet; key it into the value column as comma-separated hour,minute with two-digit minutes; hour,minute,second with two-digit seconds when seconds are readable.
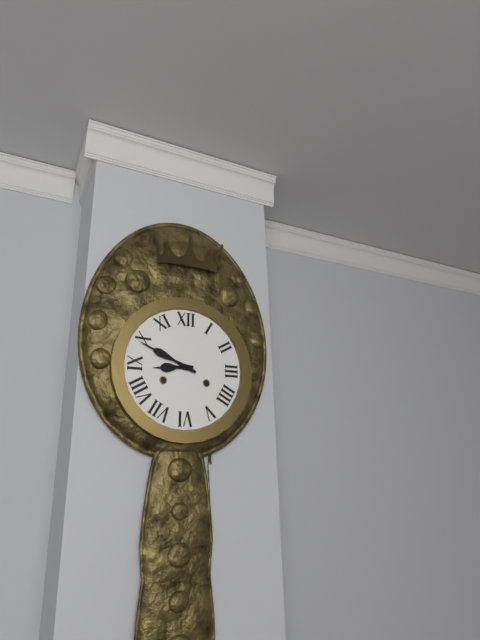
8,49
